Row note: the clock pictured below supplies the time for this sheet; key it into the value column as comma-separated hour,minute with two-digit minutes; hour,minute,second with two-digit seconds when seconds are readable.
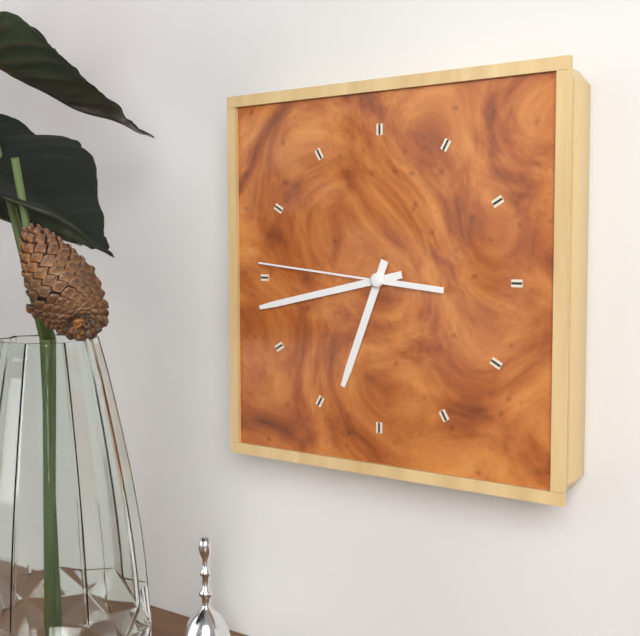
6,43,46
